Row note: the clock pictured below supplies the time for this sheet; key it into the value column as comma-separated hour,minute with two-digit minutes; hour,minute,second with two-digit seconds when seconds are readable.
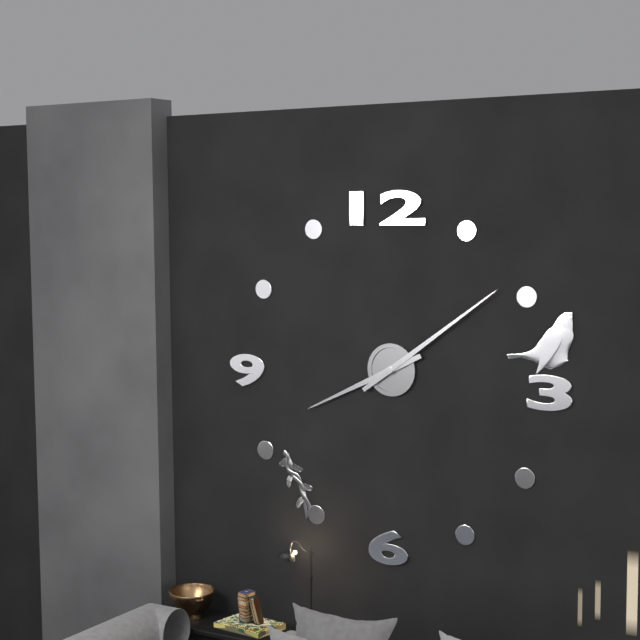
8,09
